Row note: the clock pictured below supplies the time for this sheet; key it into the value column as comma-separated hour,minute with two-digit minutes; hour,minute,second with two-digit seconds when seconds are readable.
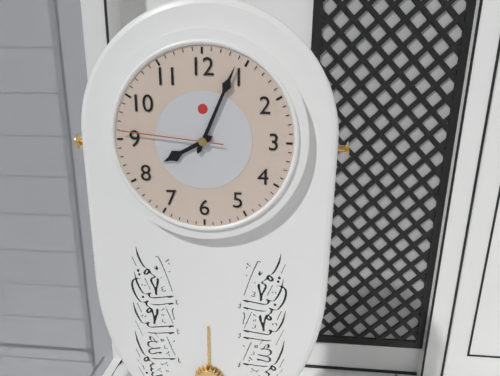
8,04,46
